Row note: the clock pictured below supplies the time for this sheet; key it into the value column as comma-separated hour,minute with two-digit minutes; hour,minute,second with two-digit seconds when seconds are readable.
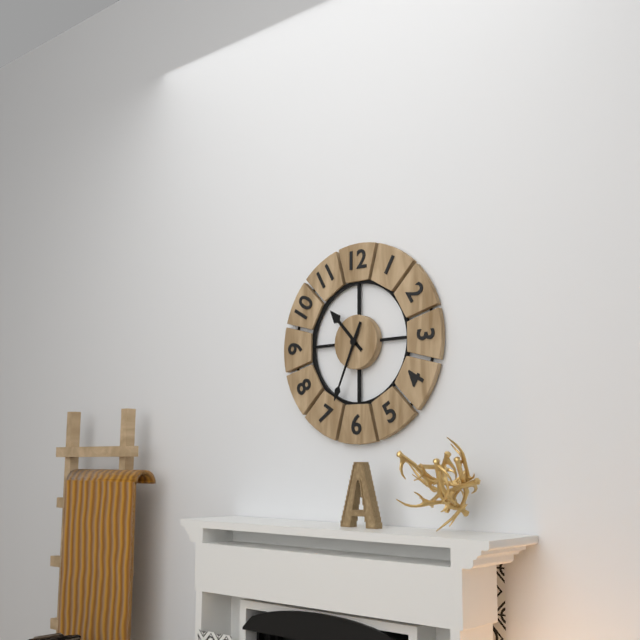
10,34
